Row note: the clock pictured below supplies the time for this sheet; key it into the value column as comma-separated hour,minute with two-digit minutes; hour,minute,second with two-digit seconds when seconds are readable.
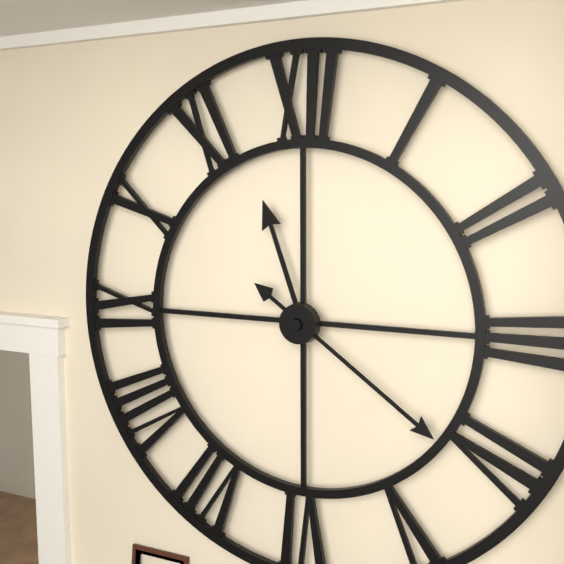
11,21
